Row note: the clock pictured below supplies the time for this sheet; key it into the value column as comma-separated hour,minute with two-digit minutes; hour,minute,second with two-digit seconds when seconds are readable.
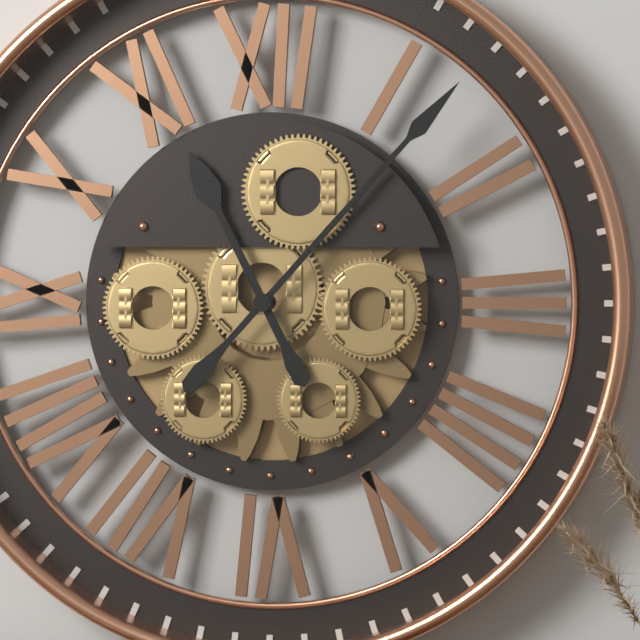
11,07
